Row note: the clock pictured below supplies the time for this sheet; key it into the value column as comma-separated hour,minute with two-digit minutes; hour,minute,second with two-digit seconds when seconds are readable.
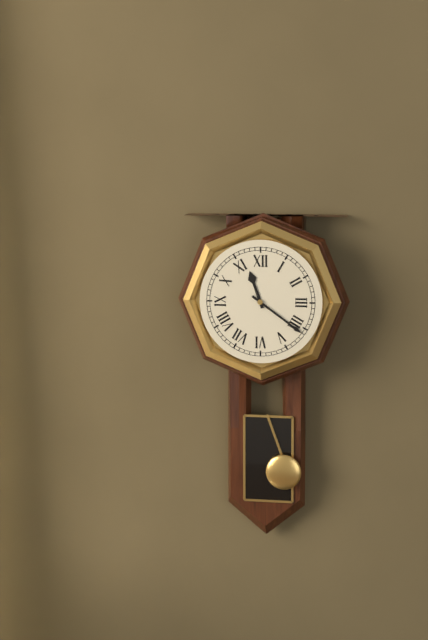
11,21
